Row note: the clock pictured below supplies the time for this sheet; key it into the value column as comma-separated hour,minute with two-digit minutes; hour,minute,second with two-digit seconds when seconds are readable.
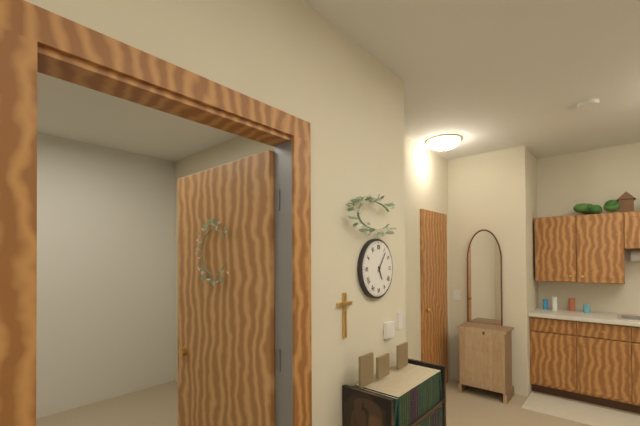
5,06
